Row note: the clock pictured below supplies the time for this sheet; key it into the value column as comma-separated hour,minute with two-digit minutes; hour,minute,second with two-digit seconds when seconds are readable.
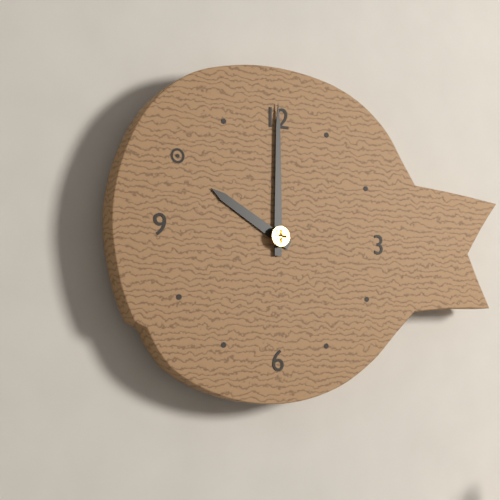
10,00
